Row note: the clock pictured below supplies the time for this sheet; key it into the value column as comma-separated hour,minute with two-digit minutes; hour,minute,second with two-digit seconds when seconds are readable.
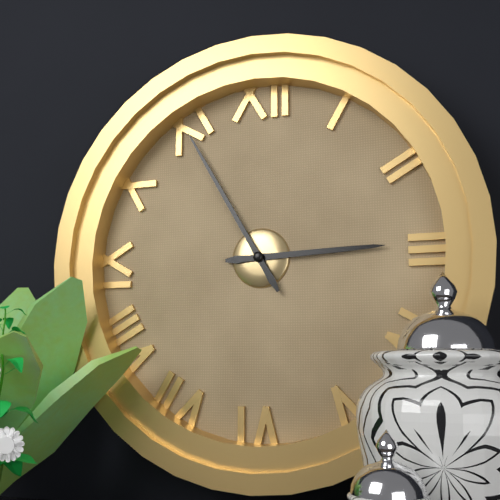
2,55
